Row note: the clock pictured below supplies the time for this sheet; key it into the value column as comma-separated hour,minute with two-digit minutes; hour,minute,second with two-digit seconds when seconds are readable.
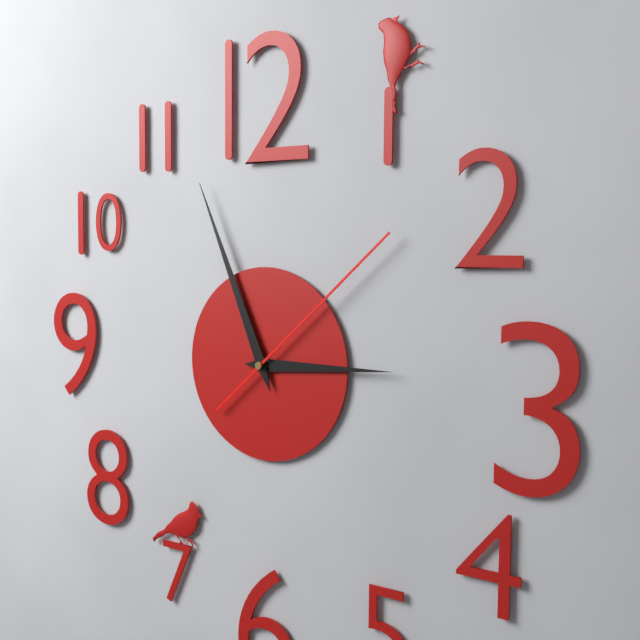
2,56,08
